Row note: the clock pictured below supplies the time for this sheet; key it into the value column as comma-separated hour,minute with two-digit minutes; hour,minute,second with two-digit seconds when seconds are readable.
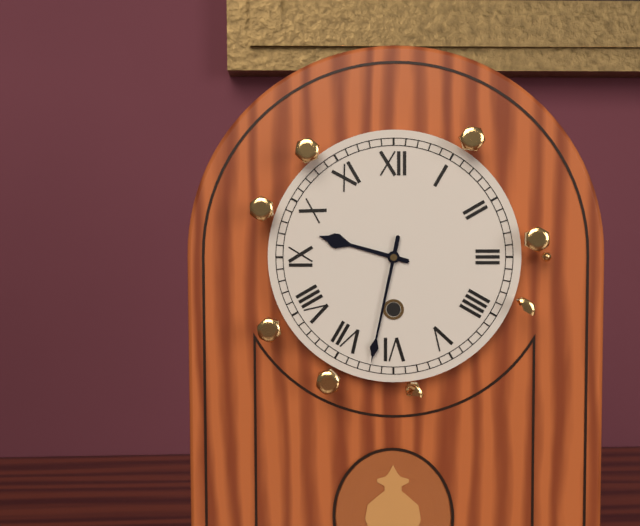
9,32
